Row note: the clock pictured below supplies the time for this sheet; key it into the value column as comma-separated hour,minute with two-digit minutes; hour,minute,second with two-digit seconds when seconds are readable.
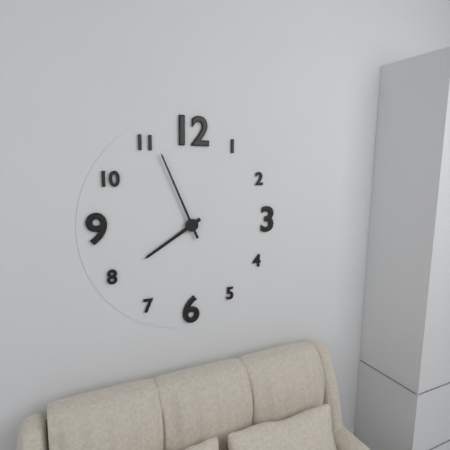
7,56
